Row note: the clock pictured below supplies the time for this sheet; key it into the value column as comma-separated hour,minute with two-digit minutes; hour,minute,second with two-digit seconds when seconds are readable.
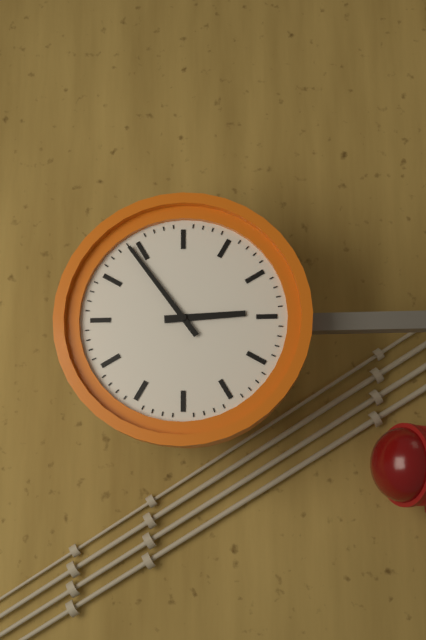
2,54
